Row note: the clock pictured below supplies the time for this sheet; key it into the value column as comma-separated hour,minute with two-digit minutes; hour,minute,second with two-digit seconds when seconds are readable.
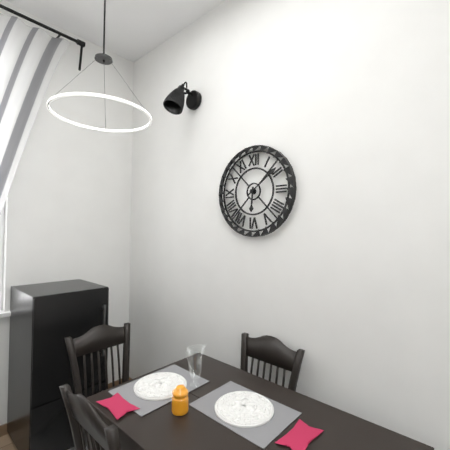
6,09
